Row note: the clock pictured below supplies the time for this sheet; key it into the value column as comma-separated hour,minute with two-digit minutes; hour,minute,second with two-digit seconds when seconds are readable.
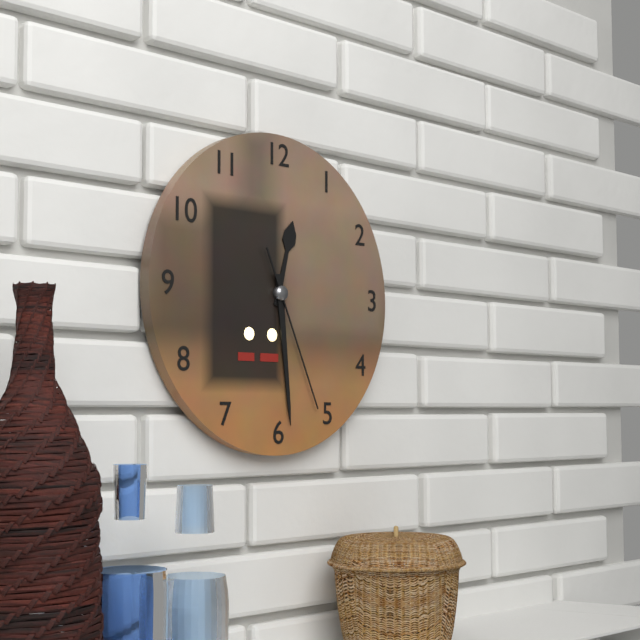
12,29,26
